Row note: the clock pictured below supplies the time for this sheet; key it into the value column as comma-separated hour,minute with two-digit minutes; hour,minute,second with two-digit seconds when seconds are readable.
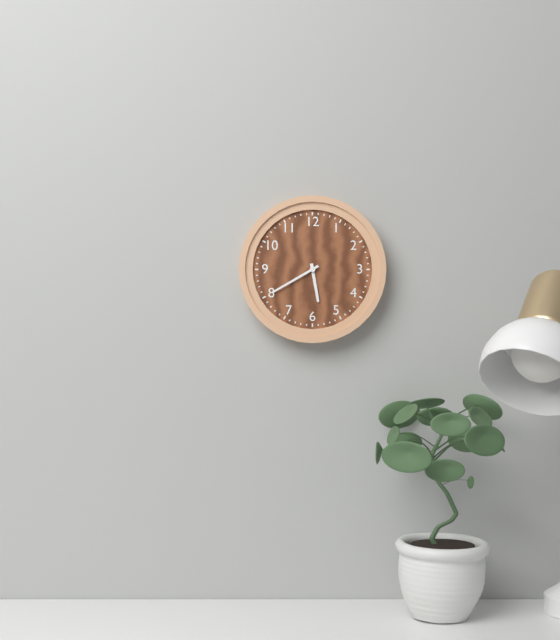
5,40
